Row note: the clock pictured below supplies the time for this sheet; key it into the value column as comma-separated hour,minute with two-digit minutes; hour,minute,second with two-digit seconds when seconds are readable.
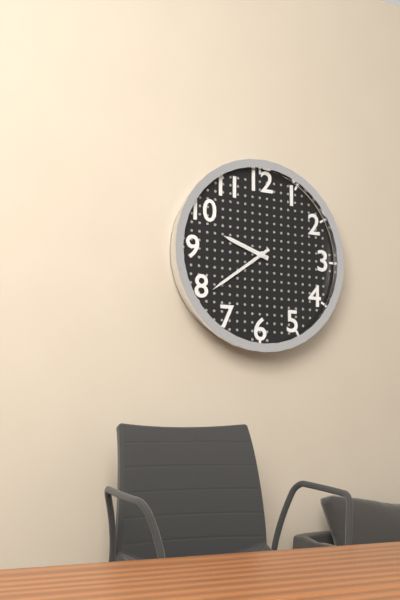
9,39
